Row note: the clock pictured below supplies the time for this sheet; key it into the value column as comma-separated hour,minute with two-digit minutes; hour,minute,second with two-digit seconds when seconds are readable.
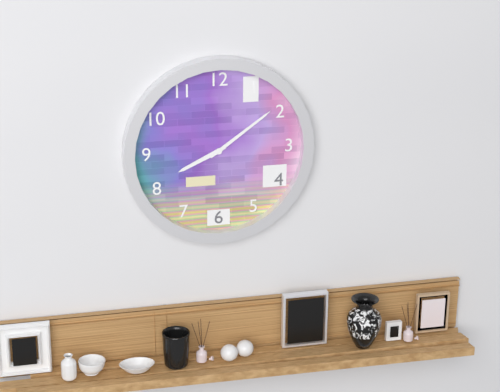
8,09
